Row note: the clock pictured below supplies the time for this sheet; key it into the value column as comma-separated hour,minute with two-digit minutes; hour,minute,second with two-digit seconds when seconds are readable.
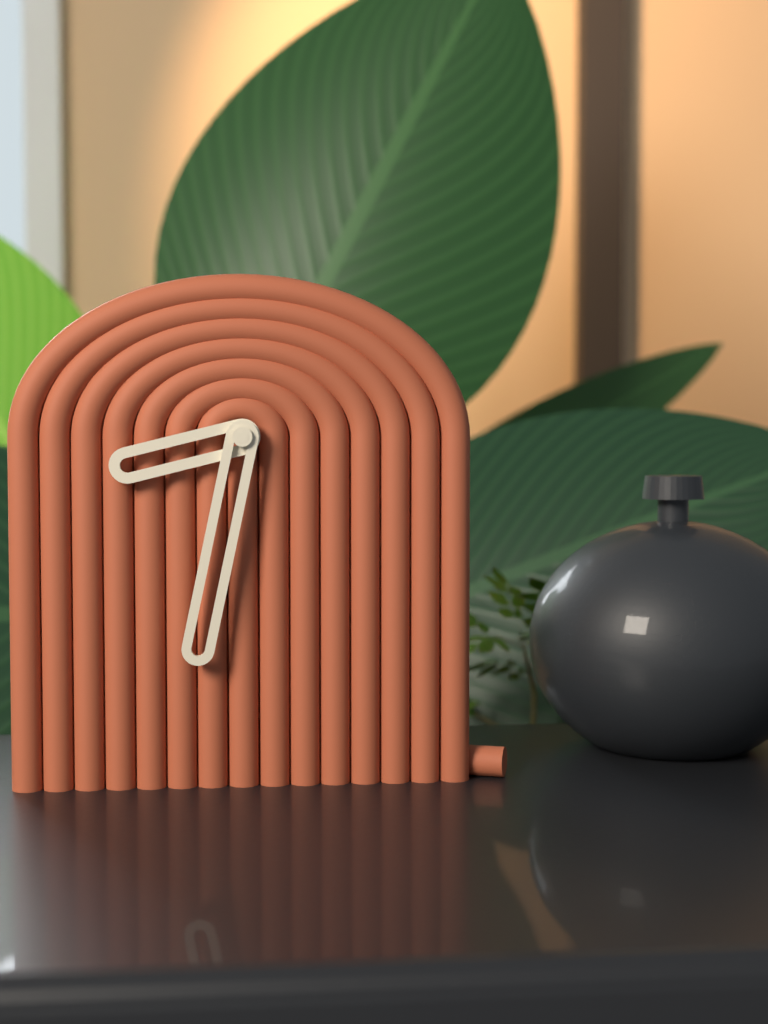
8,32
